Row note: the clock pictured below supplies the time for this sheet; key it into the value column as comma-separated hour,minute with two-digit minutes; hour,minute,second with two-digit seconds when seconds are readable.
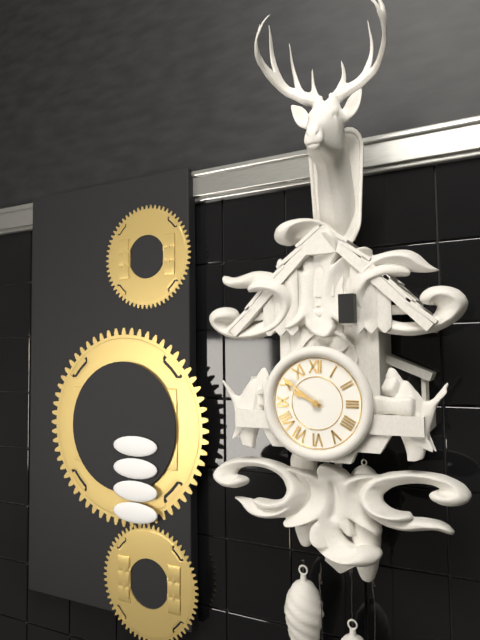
9,51
